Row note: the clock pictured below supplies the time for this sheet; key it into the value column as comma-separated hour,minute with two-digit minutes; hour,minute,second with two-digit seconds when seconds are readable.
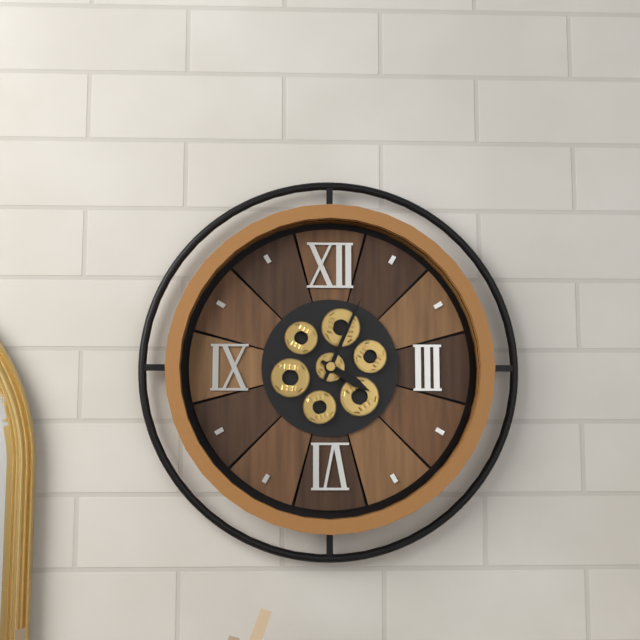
4,04
